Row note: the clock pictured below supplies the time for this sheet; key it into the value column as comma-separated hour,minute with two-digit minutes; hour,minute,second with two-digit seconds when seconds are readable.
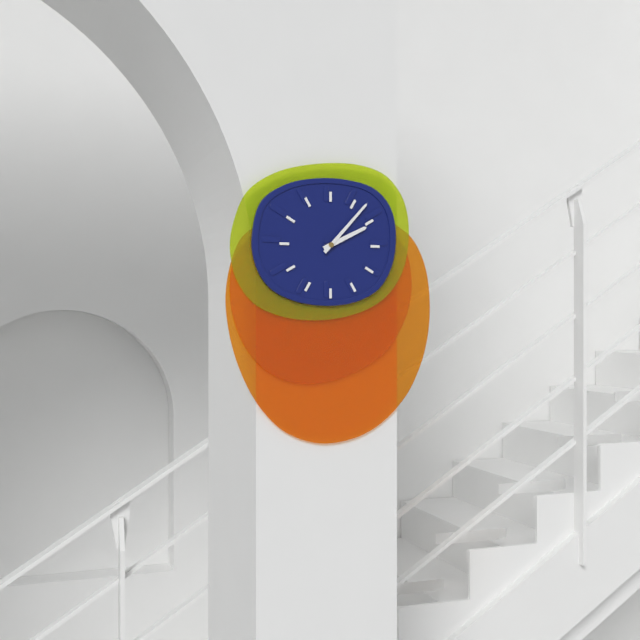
2,07
